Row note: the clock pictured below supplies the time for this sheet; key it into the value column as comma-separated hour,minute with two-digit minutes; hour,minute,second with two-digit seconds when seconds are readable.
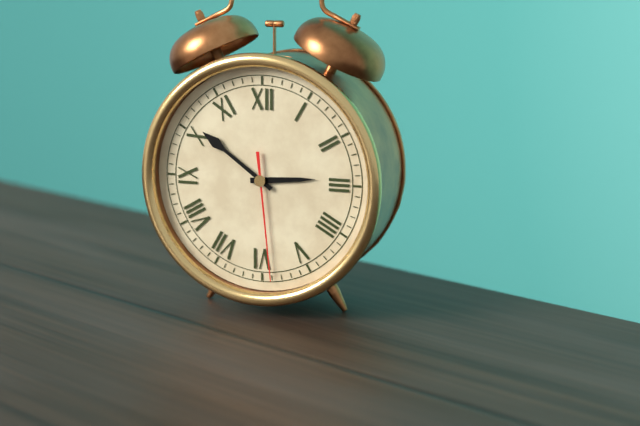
2,51,29
